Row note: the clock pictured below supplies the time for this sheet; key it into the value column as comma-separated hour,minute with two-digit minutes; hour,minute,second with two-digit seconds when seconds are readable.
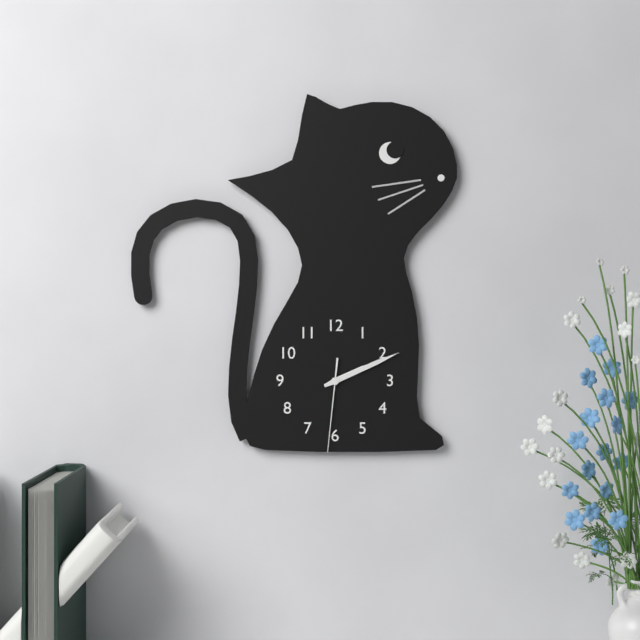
2,11,31
